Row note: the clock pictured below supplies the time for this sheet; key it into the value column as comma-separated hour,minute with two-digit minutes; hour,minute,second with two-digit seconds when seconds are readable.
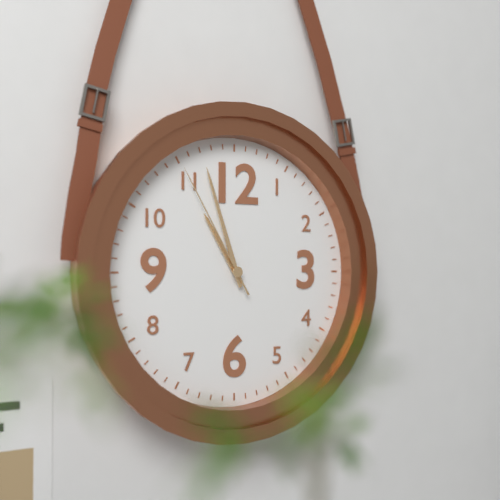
10,57,55
